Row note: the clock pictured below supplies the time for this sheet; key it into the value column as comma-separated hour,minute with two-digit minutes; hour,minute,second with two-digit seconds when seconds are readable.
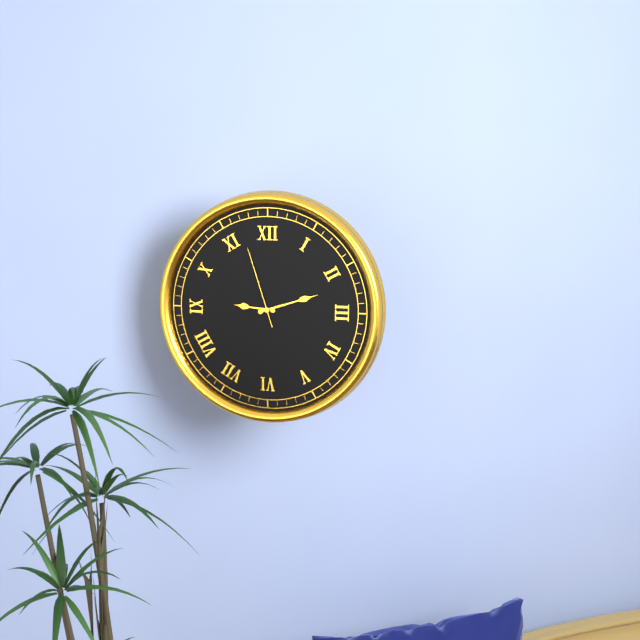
9,12,57
